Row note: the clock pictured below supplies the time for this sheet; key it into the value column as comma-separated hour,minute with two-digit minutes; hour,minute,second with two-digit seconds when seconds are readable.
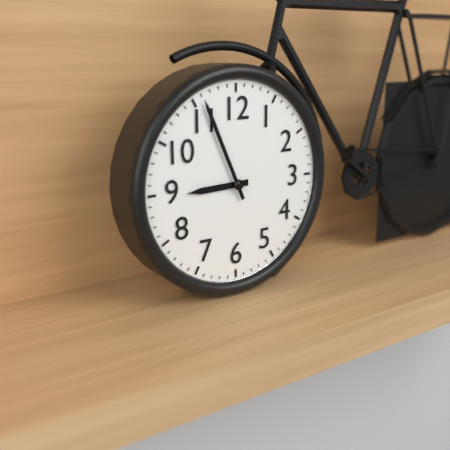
8,56
